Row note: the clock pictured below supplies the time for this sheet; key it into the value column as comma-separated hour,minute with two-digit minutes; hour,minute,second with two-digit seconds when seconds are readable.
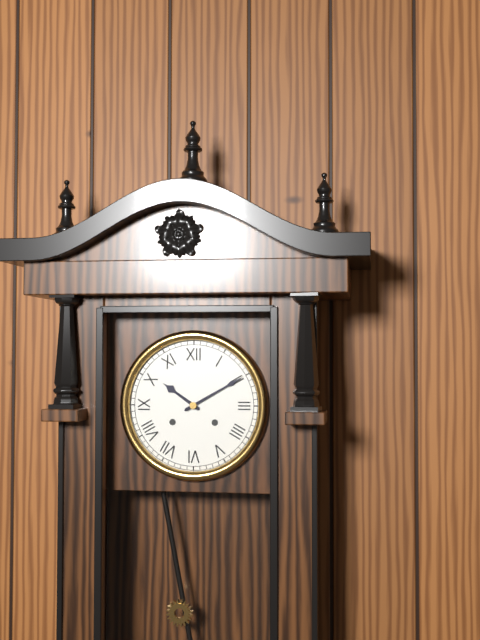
10,10
